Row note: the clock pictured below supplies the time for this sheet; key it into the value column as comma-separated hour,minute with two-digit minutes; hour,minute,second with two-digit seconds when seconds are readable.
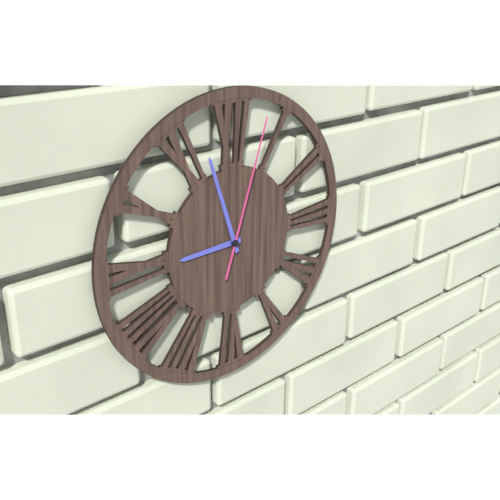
8,57,03
